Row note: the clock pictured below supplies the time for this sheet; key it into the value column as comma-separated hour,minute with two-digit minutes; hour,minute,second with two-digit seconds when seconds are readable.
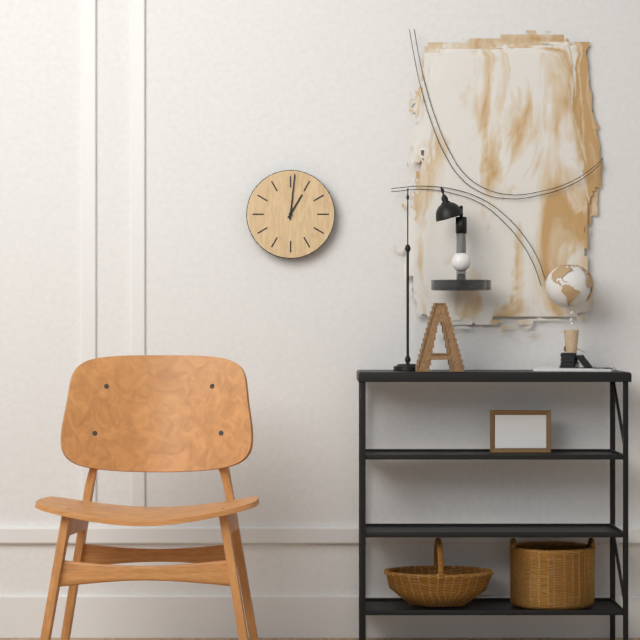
1,01
